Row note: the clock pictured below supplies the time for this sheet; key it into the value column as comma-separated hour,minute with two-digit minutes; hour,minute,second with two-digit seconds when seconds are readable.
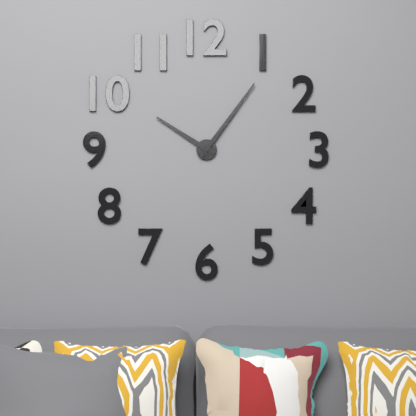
10,06
